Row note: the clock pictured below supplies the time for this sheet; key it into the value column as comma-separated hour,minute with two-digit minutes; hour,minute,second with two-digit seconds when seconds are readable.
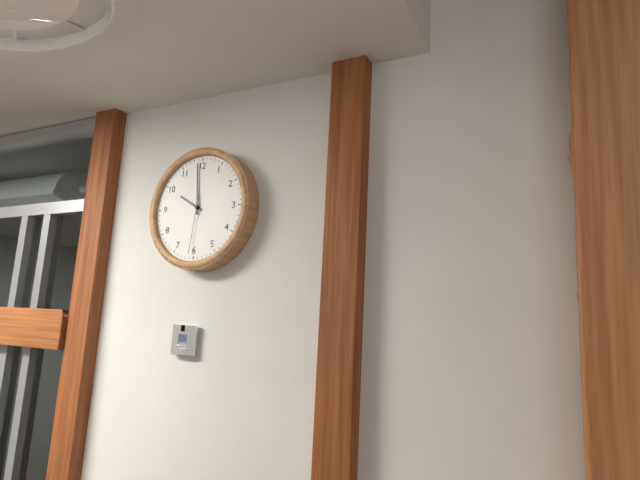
9,59,31
